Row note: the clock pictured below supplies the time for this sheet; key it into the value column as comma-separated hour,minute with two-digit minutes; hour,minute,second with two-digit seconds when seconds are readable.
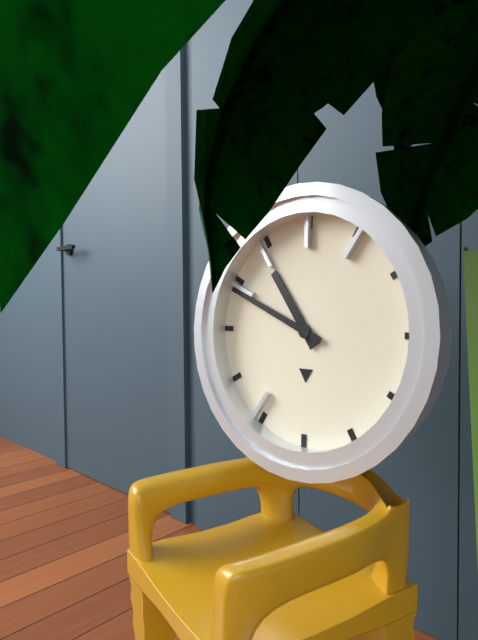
10,49
